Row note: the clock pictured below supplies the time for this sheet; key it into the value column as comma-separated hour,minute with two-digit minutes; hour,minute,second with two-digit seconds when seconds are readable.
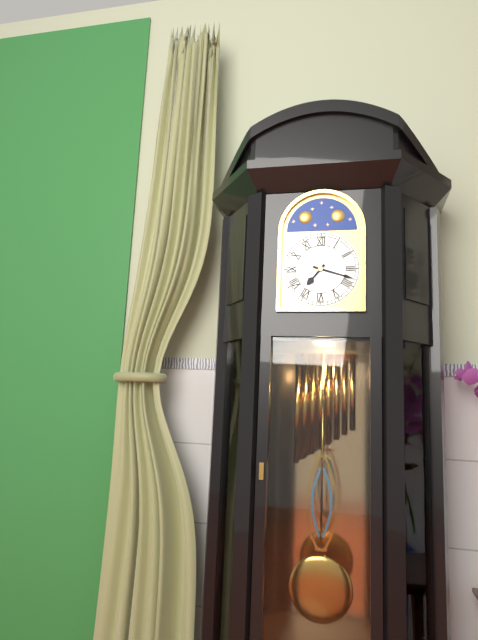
7,18
